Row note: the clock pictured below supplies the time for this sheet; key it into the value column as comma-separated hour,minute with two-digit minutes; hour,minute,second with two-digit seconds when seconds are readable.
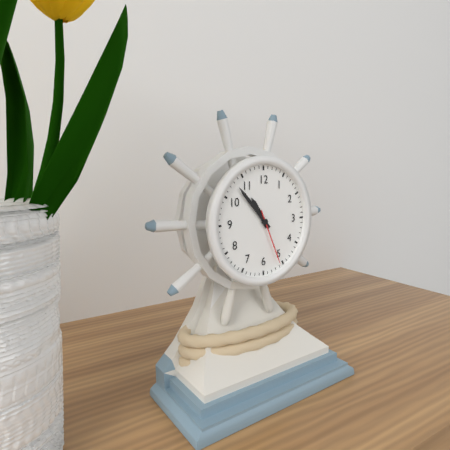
10,53,26
